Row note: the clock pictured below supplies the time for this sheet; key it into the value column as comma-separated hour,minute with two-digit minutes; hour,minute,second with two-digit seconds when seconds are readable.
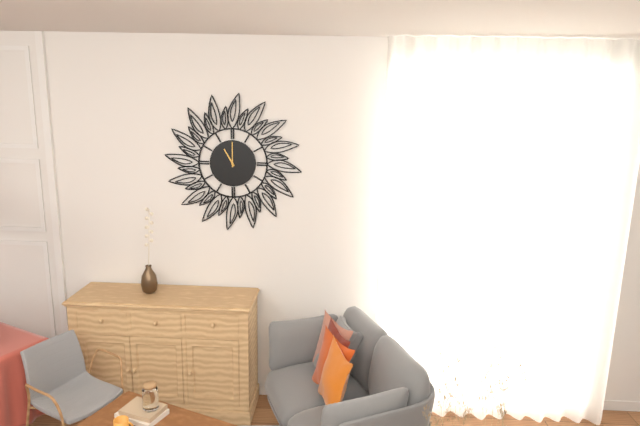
11,00
